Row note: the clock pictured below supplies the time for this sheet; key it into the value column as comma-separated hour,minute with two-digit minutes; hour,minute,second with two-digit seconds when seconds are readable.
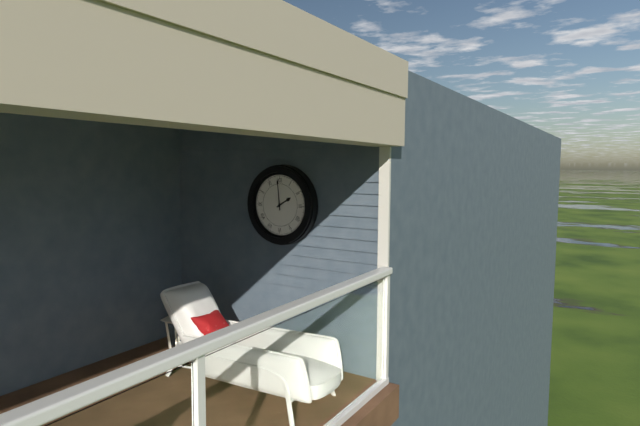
1,59
